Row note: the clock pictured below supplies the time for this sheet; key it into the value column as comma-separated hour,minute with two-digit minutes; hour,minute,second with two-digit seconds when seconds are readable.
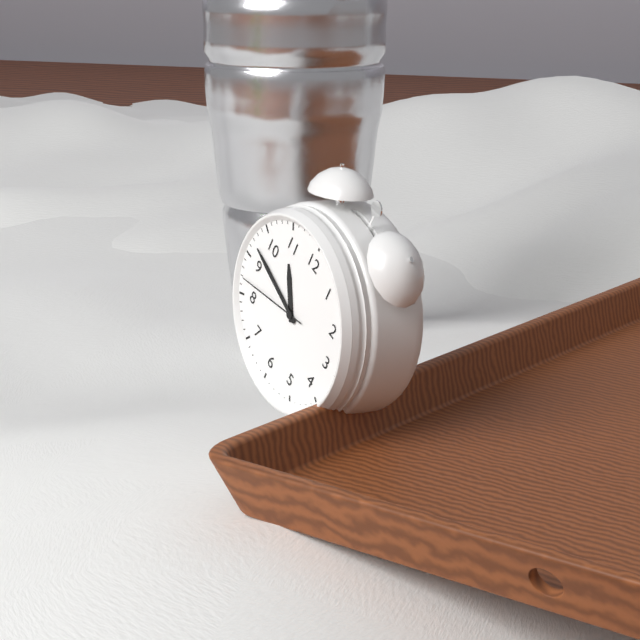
10,47,42
